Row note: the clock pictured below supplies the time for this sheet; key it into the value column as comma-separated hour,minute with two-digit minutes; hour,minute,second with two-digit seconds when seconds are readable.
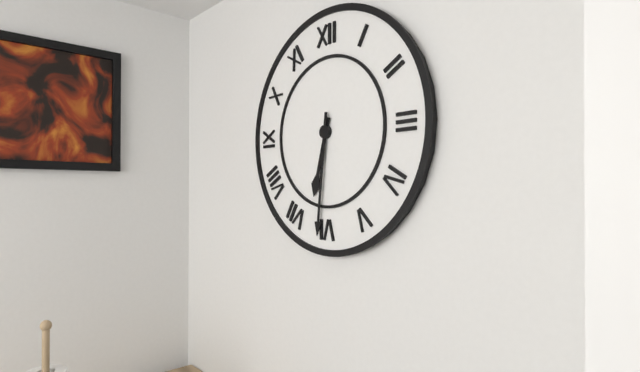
6,31
